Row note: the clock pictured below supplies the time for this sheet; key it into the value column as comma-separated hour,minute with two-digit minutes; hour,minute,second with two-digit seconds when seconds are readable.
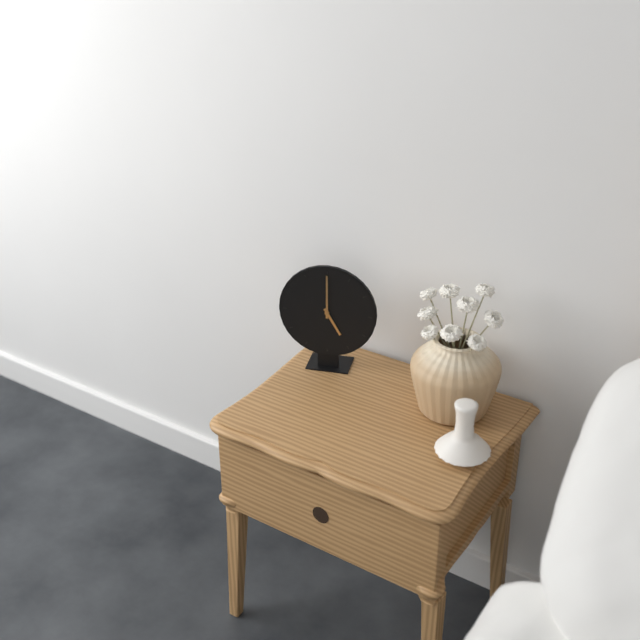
5,00
